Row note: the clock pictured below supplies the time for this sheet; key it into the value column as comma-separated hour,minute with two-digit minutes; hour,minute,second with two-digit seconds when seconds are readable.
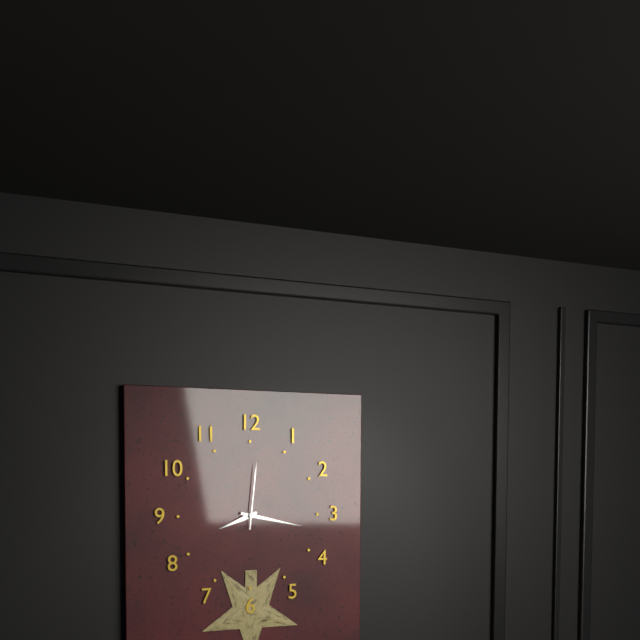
8,17,01
